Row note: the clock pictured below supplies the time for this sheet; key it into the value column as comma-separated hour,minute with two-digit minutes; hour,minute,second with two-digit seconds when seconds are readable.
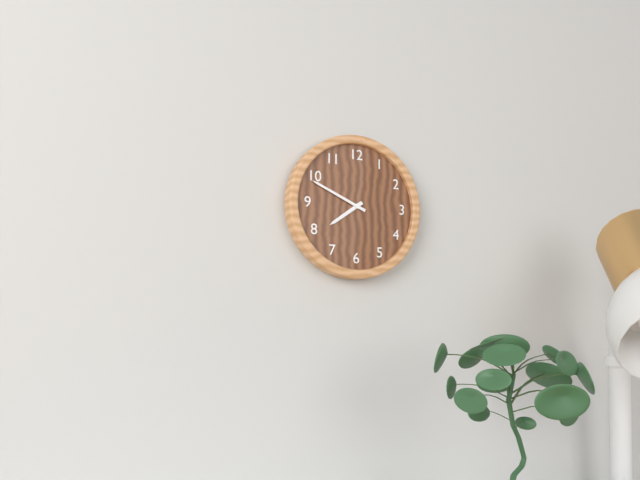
7,49
